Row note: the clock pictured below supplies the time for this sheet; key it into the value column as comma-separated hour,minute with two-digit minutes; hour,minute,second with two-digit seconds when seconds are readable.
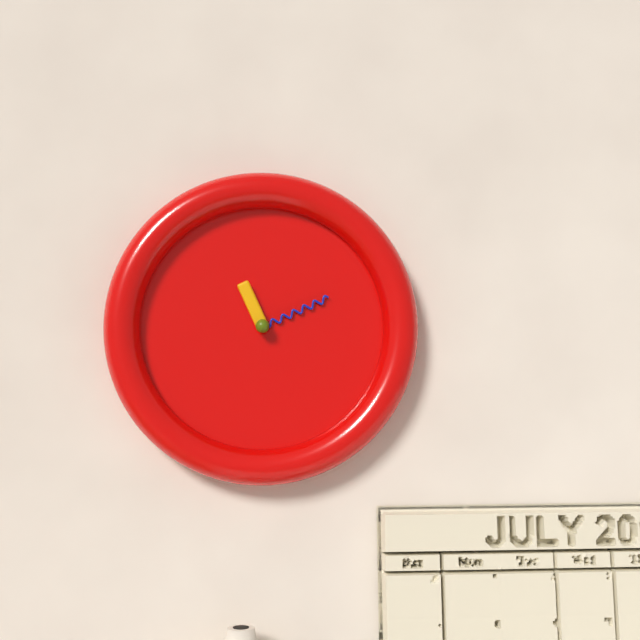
11,11
